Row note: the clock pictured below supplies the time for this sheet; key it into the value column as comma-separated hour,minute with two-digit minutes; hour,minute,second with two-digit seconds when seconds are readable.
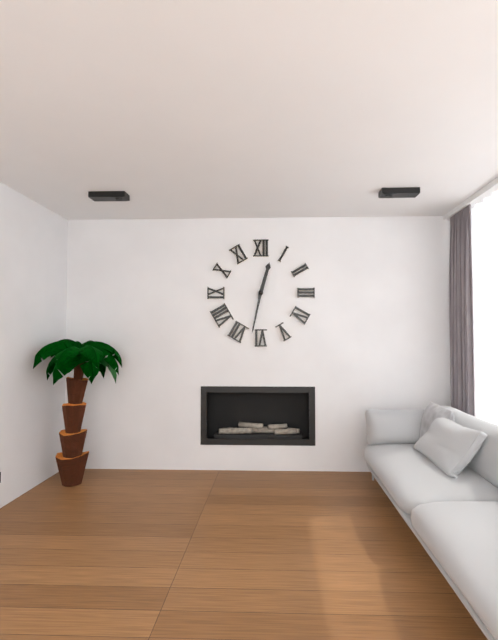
12,32
